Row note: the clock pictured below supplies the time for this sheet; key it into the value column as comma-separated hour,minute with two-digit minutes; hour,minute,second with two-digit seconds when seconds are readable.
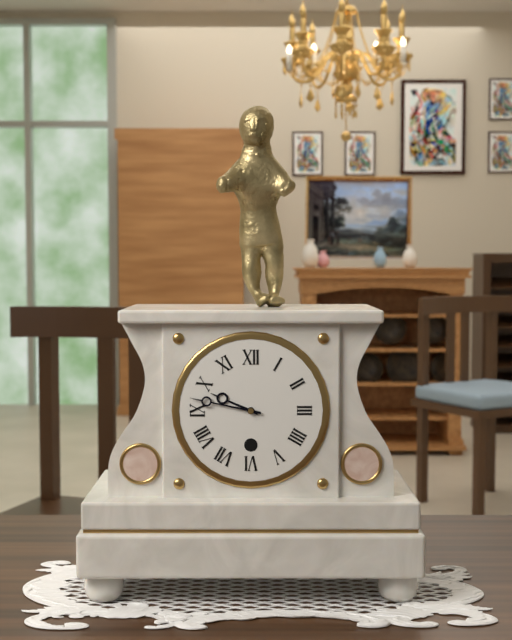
9,47
